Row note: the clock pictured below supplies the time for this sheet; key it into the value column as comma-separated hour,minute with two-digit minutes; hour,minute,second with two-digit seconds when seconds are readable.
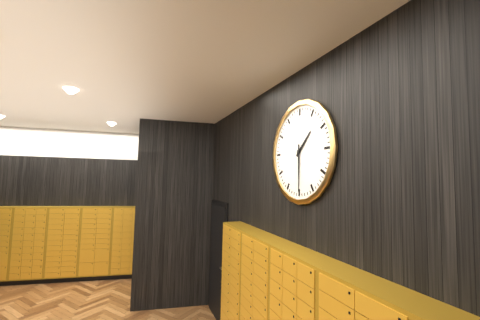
1,30
